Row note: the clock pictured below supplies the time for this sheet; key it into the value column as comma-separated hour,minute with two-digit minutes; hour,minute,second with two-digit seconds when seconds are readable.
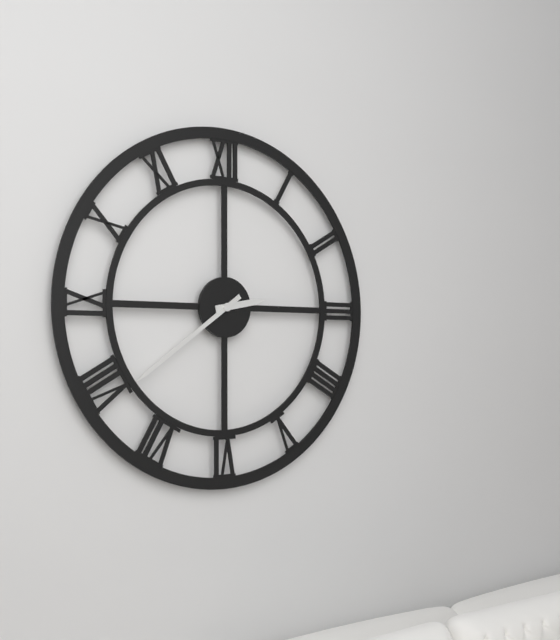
2,39
